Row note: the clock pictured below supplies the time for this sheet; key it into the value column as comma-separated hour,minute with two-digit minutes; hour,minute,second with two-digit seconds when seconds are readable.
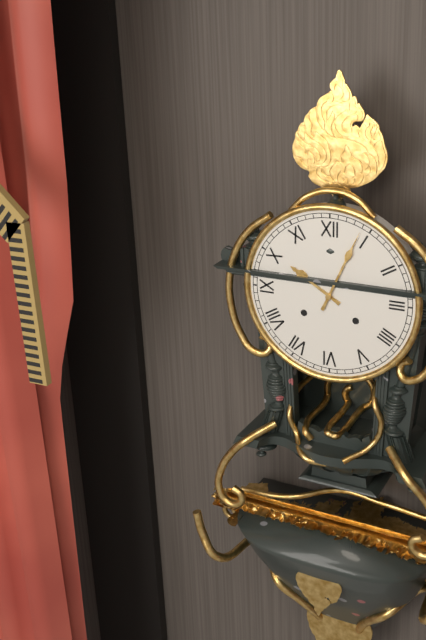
10,04
